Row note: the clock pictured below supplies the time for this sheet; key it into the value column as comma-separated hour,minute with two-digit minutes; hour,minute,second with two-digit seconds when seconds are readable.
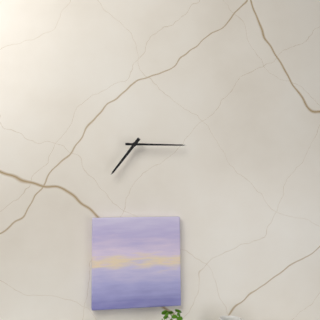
7,15
